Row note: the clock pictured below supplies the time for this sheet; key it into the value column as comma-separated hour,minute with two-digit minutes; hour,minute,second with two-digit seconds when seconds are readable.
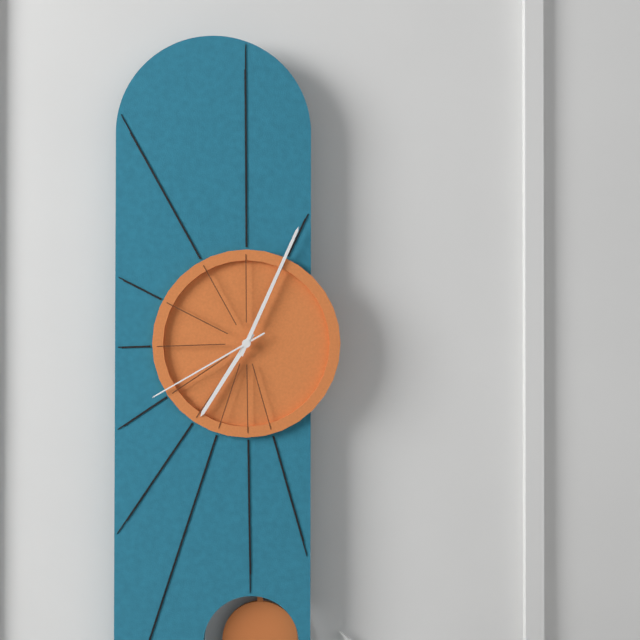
7,04,40
